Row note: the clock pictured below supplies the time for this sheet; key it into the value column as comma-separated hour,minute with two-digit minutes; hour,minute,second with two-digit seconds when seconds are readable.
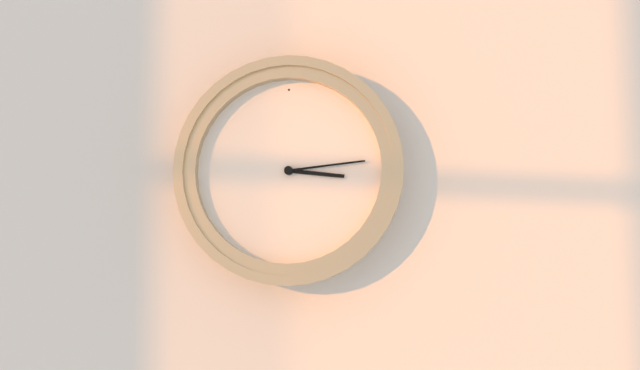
3,14
